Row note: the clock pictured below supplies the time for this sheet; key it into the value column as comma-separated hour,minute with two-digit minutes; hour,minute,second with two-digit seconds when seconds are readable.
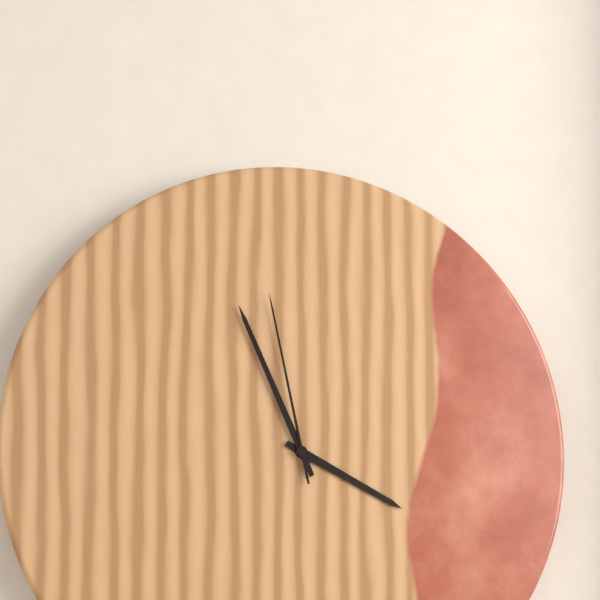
3,56,58
